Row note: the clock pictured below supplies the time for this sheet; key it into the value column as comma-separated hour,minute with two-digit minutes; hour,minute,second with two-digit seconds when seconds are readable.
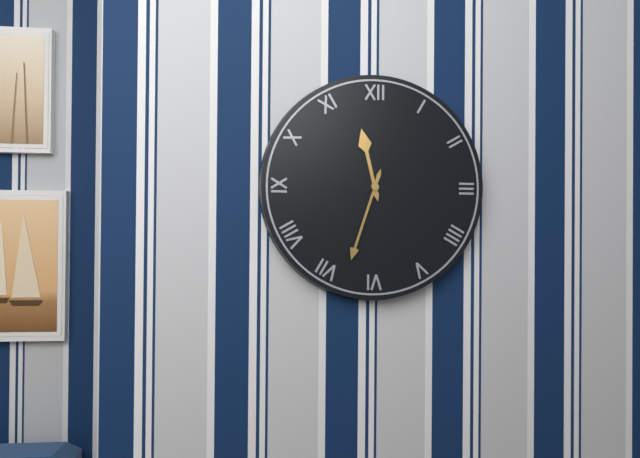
11,33
